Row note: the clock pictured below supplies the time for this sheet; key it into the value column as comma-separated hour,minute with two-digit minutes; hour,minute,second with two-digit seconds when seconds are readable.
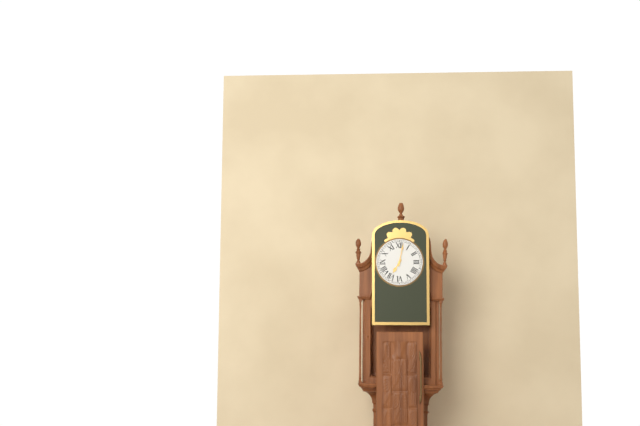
7,02
